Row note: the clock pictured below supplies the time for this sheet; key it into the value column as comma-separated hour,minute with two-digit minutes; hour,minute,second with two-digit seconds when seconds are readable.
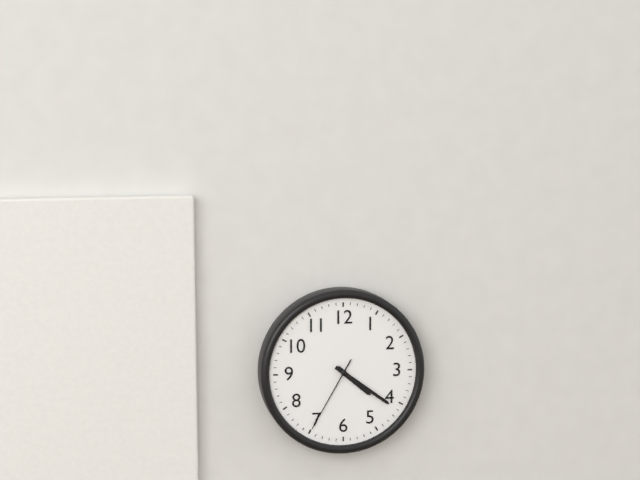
4,21,35
